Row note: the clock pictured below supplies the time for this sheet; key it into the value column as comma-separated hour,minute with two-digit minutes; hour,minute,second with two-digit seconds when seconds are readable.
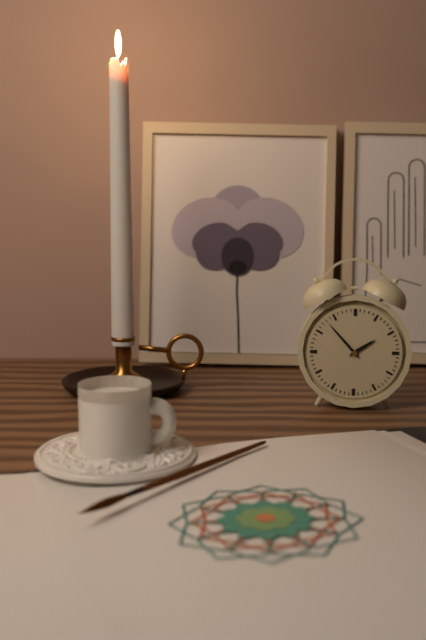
1,53
